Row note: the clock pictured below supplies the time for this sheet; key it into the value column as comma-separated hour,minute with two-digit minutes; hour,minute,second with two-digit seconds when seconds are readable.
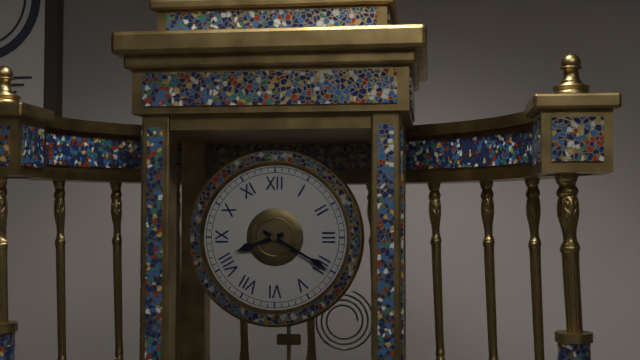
8,20
